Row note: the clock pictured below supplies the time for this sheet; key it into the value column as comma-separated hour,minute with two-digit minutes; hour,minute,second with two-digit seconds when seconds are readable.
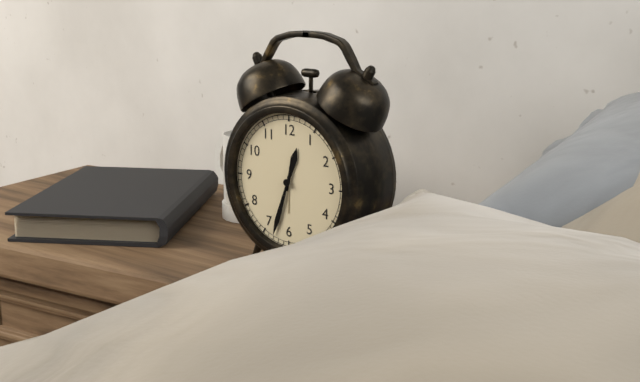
12,33
